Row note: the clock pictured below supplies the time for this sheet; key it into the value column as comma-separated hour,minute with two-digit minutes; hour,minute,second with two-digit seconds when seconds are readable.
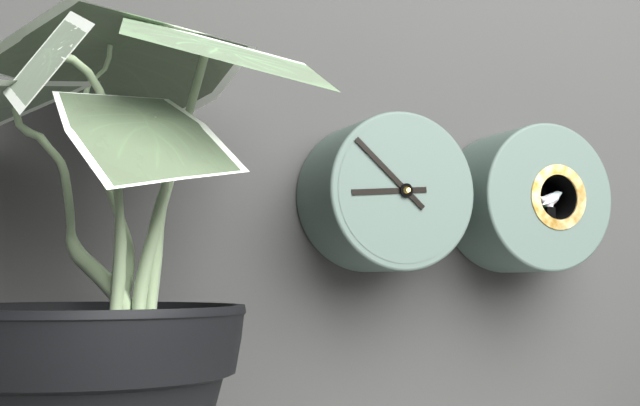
8,52
